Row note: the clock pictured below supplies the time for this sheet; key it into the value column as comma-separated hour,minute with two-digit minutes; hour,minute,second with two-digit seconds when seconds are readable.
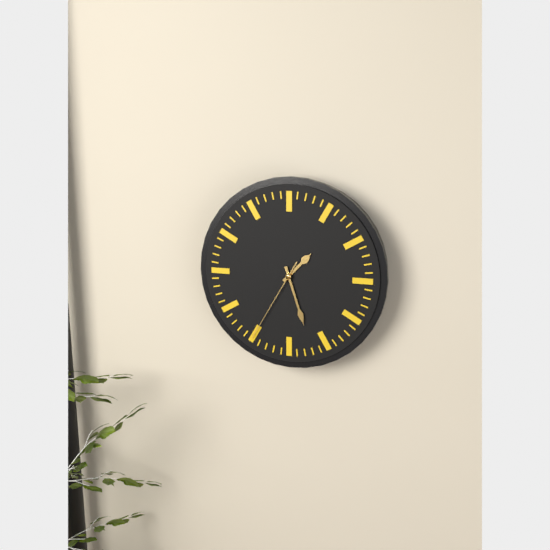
1,27,35
